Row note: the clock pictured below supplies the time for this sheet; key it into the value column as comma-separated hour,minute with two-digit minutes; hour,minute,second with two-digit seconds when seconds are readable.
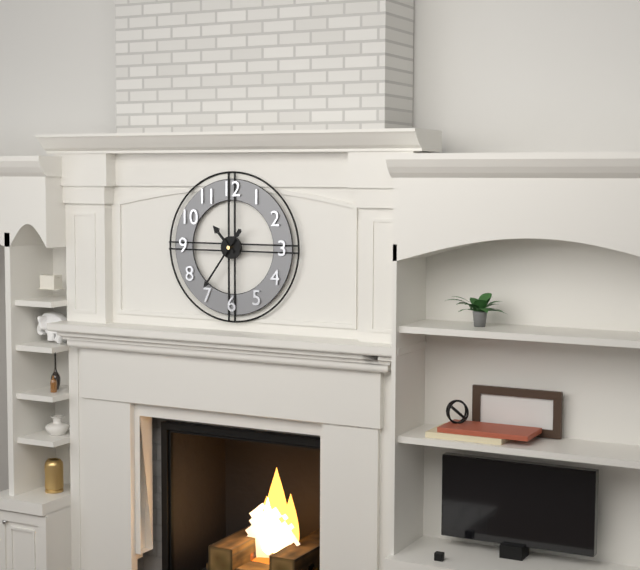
10,36
